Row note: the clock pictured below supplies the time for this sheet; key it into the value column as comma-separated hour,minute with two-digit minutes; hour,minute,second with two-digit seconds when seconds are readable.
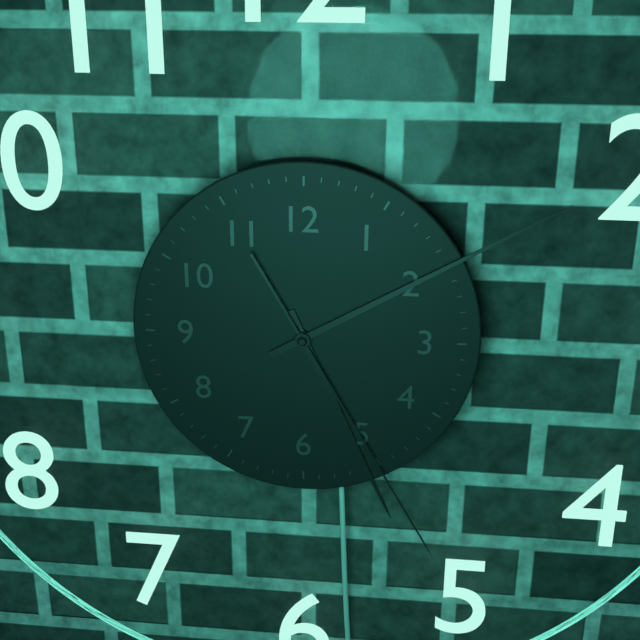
5,10,25
